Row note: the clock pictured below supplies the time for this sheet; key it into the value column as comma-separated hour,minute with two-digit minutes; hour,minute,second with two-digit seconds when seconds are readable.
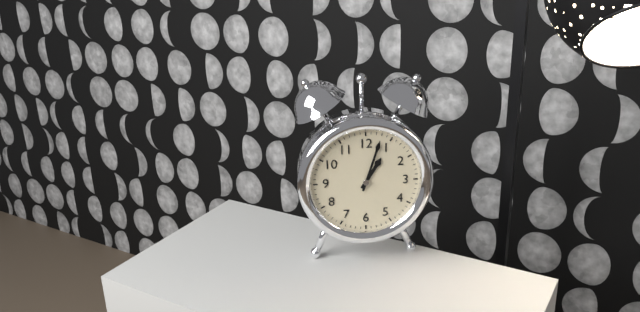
1,03
